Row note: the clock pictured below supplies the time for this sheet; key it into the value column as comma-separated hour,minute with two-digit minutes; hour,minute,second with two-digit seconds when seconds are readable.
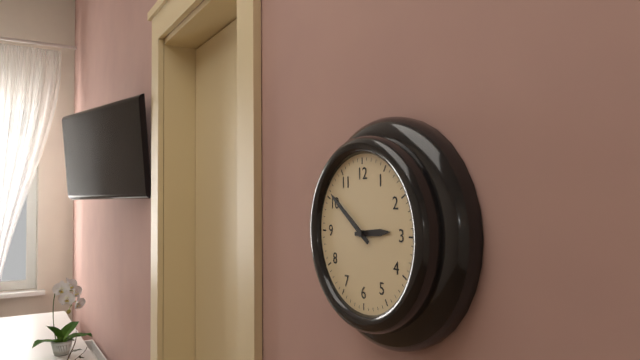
2,51
